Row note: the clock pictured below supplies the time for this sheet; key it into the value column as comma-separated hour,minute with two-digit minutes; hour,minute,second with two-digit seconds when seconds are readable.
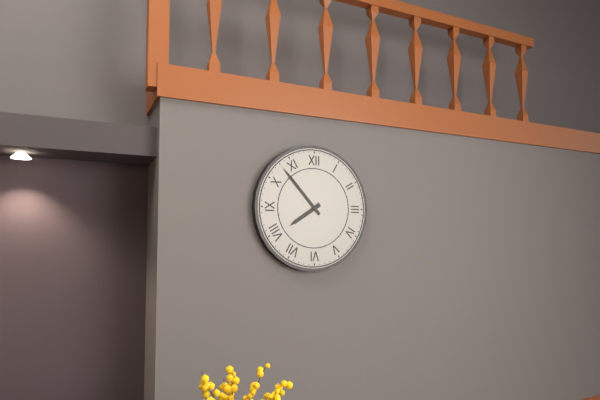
7,53
